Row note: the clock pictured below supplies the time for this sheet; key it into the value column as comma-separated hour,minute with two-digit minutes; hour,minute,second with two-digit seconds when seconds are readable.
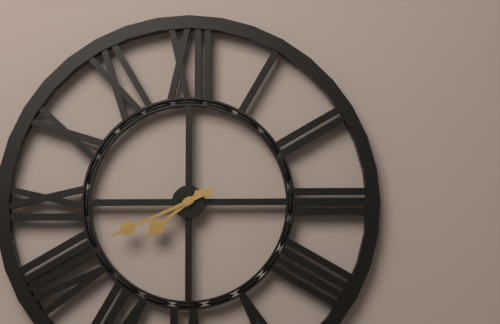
7,41
